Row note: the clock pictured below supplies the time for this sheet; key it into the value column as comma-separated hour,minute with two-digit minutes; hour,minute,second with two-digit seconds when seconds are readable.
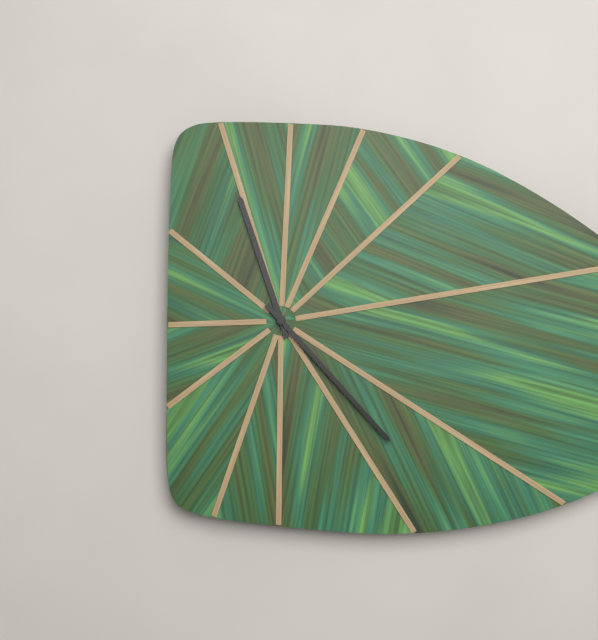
11,23
